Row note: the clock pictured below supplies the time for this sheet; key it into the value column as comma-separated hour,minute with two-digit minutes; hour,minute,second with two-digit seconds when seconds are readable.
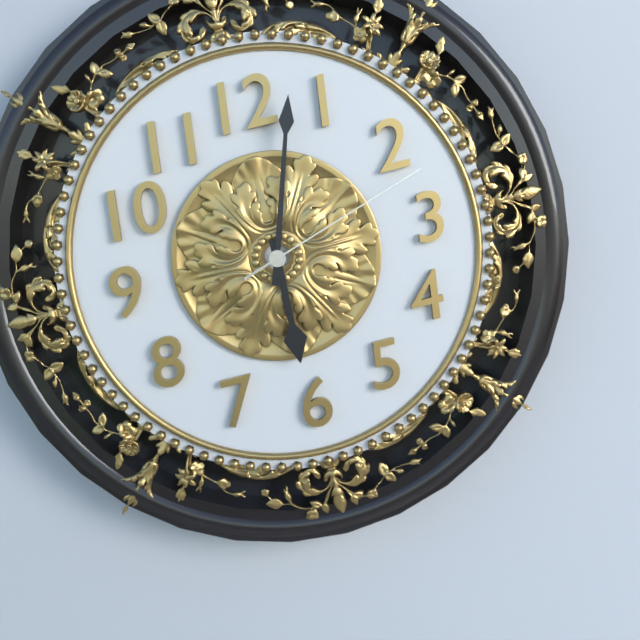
6,03,12
